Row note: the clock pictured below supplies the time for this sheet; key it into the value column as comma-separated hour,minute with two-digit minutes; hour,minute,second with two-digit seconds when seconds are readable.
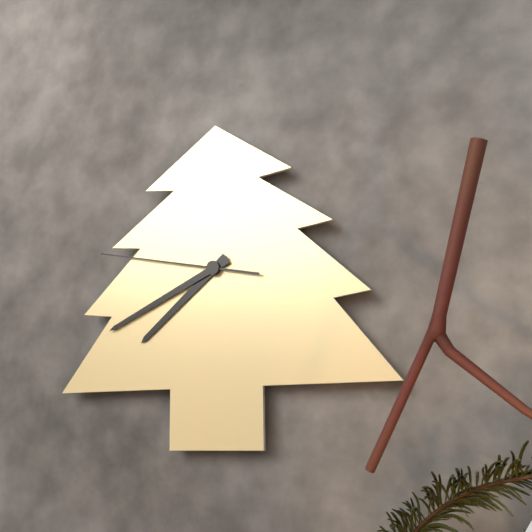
7,41,47
